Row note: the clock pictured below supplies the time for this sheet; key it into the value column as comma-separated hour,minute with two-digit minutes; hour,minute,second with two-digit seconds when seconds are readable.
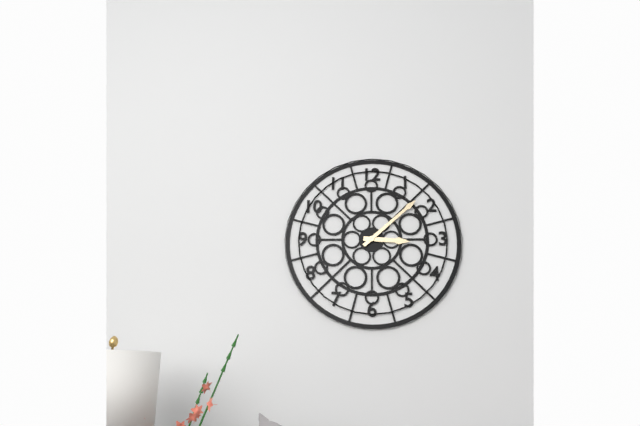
3,08
